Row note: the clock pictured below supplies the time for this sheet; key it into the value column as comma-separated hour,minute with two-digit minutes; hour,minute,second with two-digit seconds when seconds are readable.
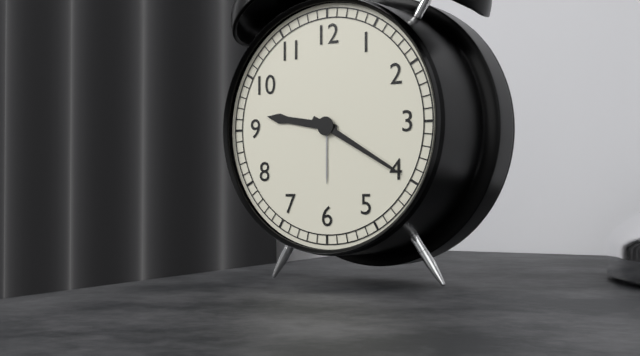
9,20
